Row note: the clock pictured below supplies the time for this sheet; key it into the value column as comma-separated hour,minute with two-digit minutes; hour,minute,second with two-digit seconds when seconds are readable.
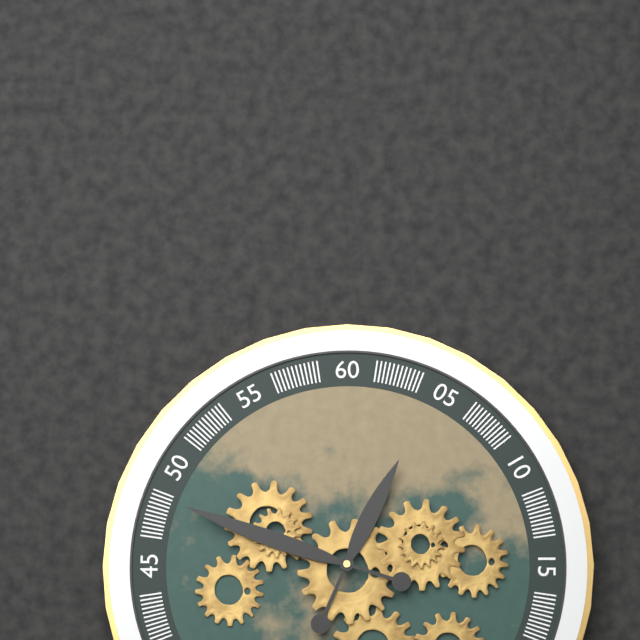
12,48
